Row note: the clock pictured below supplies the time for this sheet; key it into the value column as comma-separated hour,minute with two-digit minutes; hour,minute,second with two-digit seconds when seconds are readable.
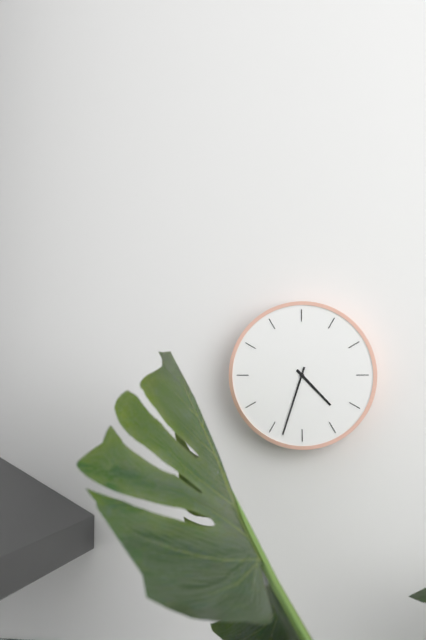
4,33
